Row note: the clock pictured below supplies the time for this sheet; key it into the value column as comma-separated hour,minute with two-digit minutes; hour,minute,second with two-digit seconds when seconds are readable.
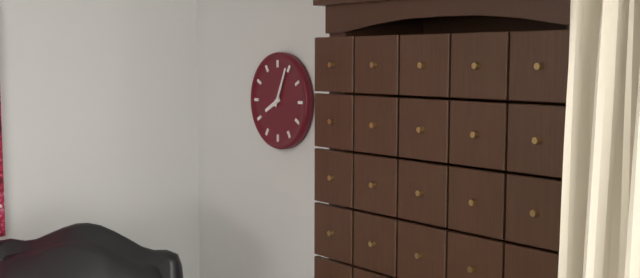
8,04
